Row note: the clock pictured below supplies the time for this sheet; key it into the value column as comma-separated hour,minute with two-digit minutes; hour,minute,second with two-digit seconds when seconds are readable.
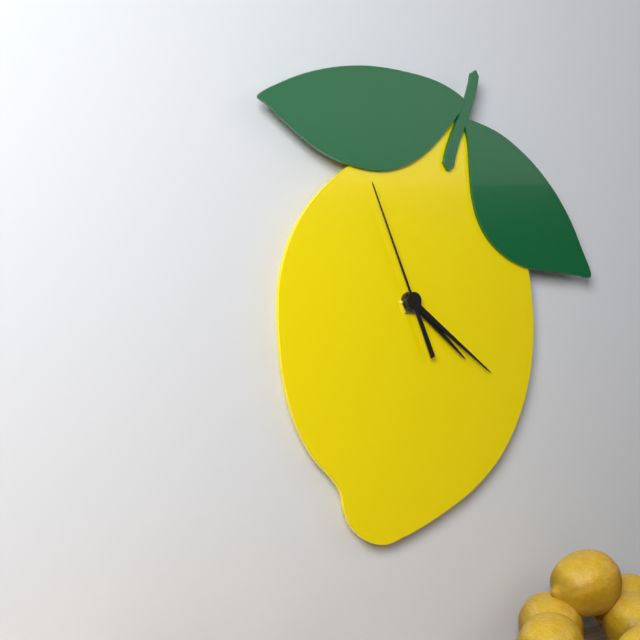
4,21,56
